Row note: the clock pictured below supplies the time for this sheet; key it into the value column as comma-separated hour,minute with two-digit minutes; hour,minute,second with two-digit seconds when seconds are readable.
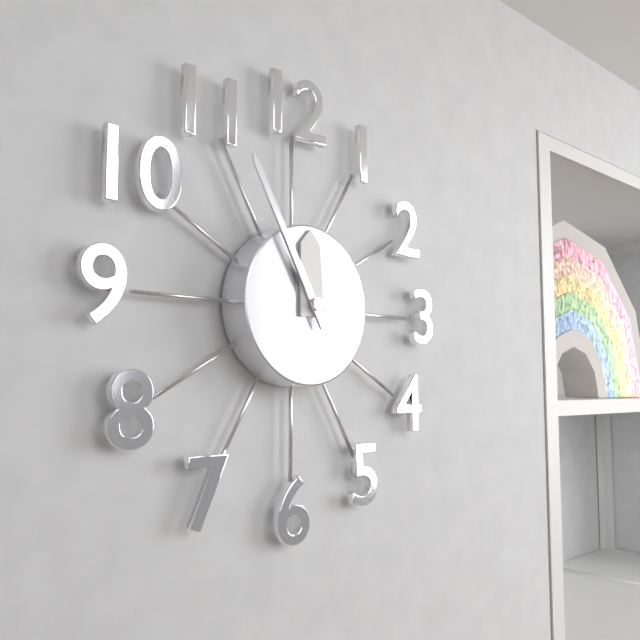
11,55
